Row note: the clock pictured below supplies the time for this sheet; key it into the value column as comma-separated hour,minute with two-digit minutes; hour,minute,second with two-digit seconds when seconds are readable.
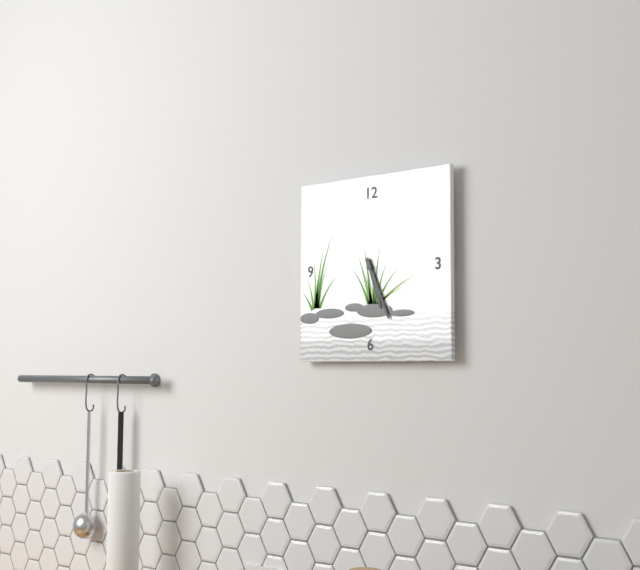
5,26
